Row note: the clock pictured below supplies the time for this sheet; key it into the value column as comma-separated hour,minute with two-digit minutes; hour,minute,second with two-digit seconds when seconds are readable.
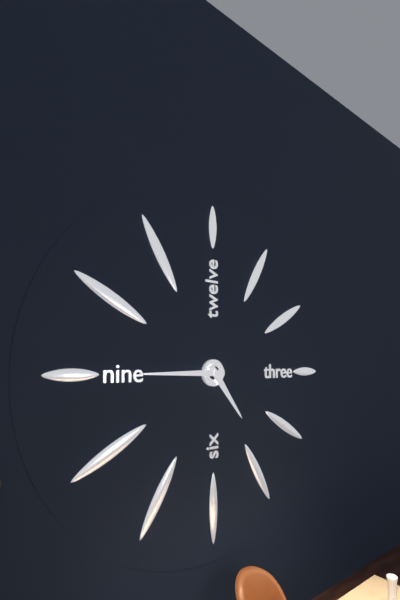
4,45
